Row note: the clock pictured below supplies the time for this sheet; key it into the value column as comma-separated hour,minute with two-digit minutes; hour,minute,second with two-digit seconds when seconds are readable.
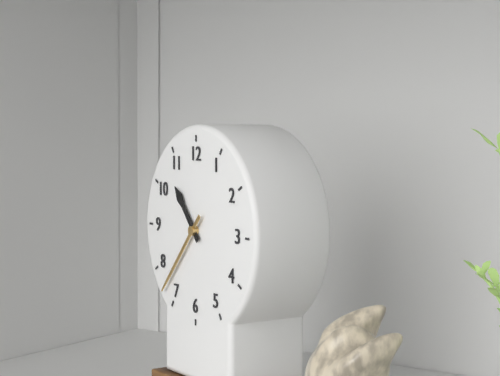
10,37
